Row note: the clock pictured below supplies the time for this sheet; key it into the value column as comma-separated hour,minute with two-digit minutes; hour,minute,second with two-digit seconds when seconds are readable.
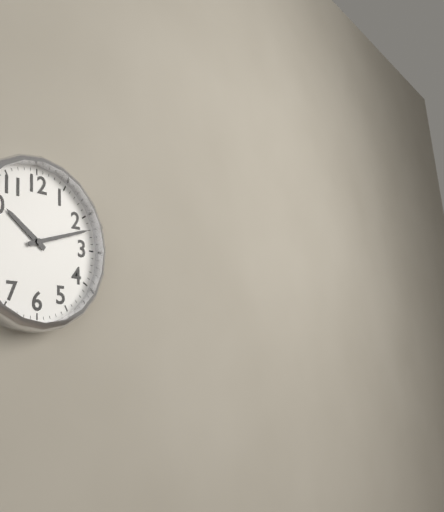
10,12
